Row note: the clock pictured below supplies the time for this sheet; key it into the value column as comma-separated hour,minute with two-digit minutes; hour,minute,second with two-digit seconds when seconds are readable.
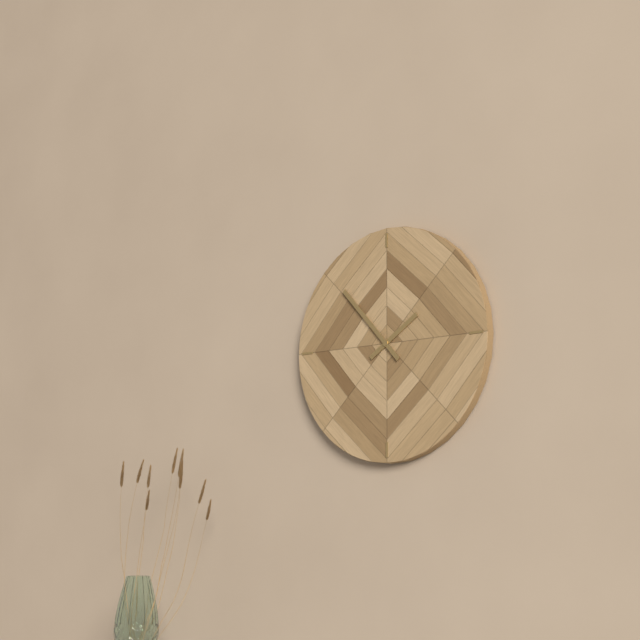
1,53
